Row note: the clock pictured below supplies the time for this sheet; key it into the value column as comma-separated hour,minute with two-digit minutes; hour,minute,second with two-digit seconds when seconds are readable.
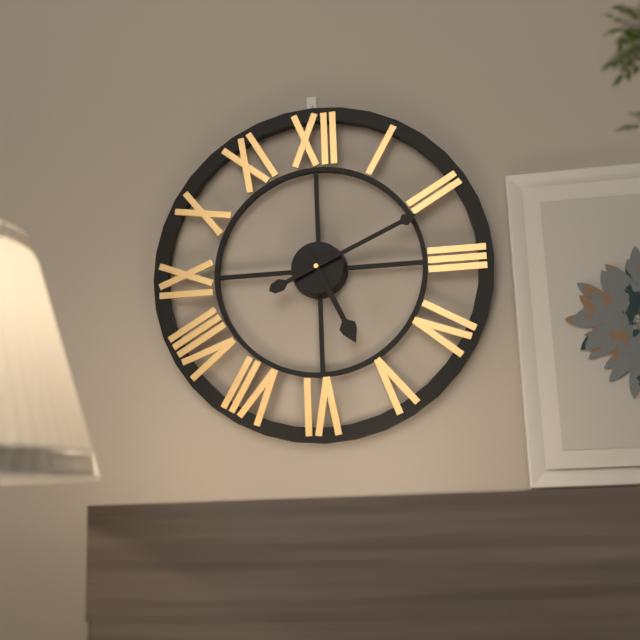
5,11
